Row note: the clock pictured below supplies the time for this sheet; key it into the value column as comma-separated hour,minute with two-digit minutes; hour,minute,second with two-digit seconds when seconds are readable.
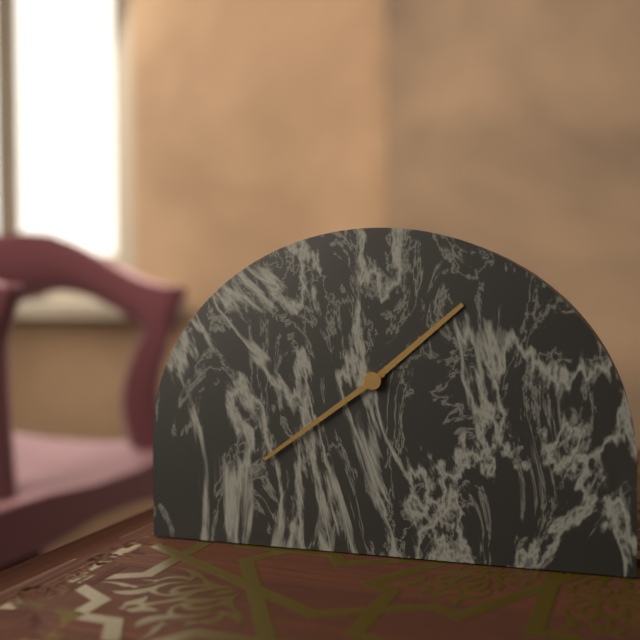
1,39
